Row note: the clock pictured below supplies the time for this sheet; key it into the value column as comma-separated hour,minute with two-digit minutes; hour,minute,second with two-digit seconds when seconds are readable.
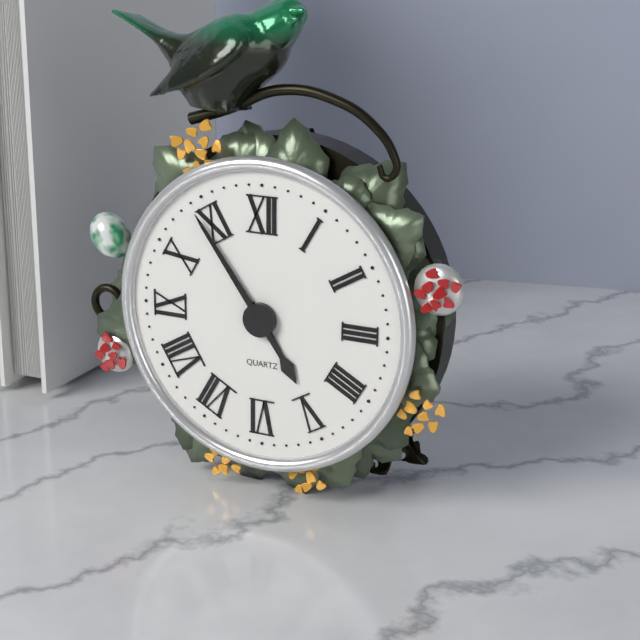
4,54
